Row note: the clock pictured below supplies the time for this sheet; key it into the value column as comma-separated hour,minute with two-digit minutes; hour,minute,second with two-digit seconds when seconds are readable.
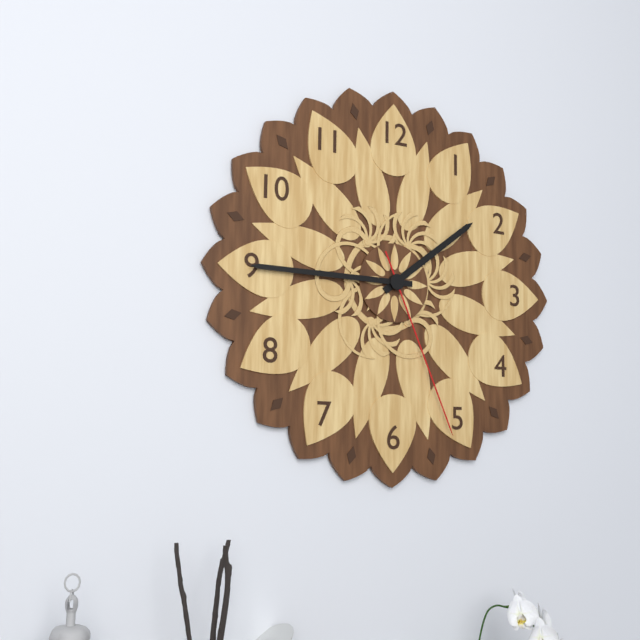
1,45,26
